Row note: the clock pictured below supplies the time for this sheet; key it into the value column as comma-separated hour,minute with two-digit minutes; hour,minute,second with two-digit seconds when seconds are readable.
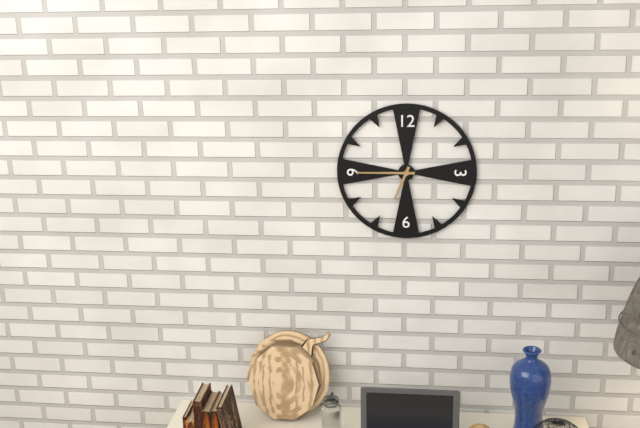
6,45
